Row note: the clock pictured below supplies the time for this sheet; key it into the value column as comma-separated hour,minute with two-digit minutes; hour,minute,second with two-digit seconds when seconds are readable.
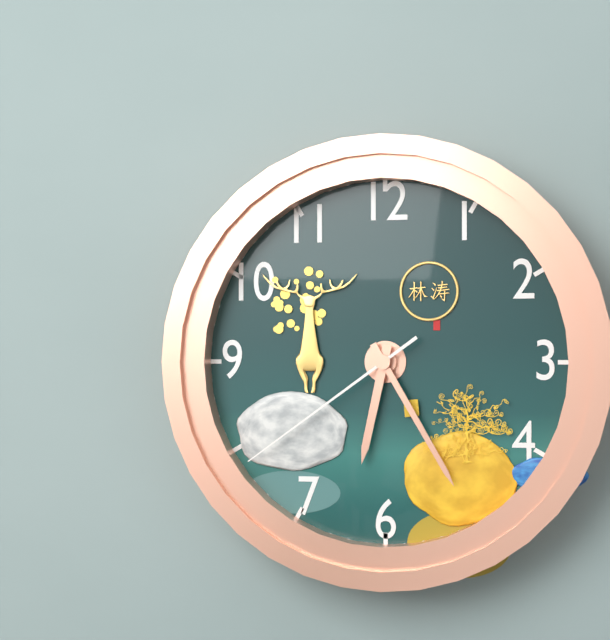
6,25,39
